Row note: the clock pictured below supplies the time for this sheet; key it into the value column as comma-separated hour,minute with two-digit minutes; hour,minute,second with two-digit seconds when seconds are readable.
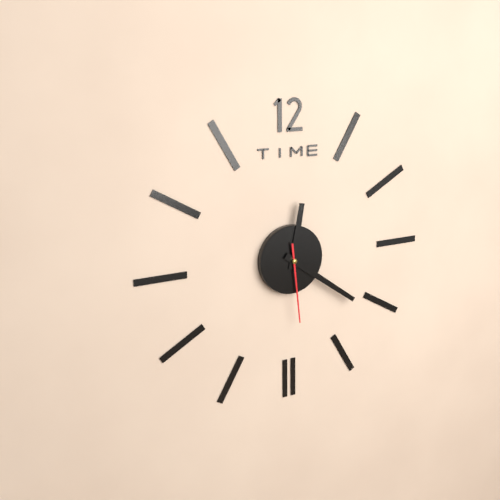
12,21,29
